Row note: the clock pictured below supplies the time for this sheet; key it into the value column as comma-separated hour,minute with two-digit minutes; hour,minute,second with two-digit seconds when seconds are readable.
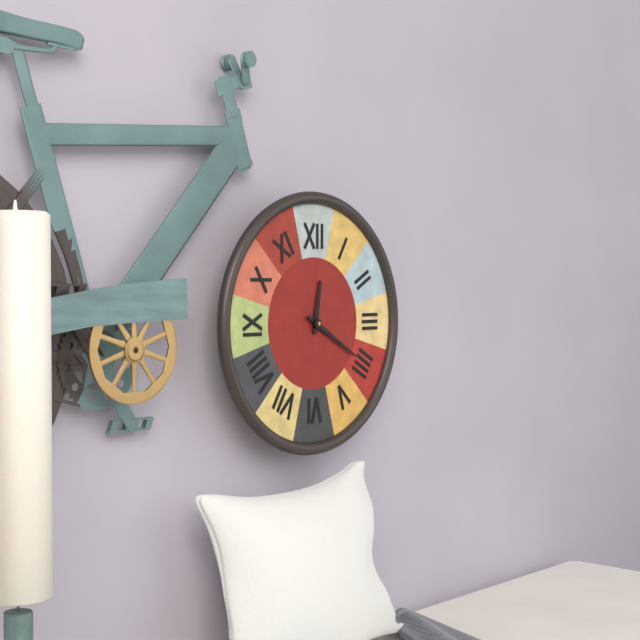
12,20
